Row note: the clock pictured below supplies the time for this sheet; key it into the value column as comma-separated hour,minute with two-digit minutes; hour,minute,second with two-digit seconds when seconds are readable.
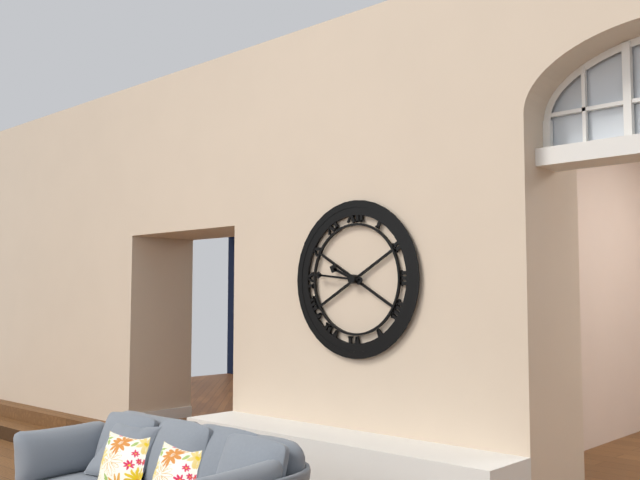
9,46
